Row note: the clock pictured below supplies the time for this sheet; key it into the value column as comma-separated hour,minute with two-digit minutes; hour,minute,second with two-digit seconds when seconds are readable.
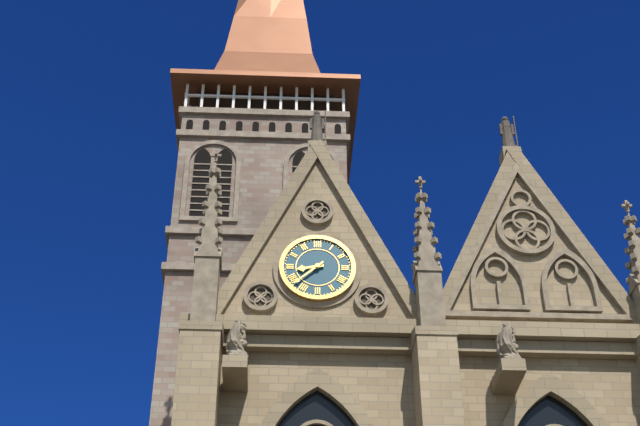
8,38
